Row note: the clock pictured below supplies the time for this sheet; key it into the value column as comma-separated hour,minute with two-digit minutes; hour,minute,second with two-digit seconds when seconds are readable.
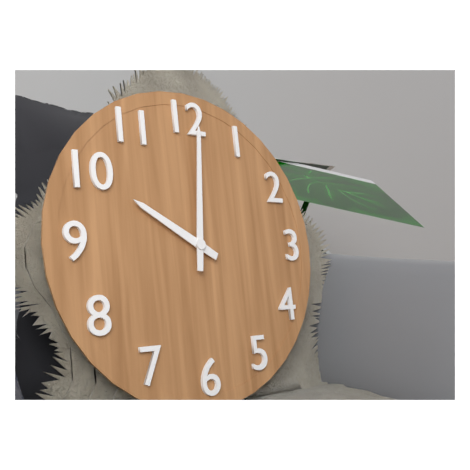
10,01
